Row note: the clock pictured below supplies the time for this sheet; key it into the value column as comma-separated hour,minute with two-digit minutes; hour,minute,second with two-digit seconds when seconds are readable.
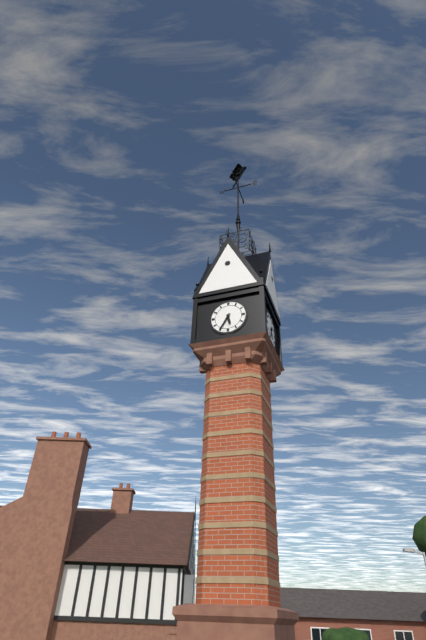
5,35
